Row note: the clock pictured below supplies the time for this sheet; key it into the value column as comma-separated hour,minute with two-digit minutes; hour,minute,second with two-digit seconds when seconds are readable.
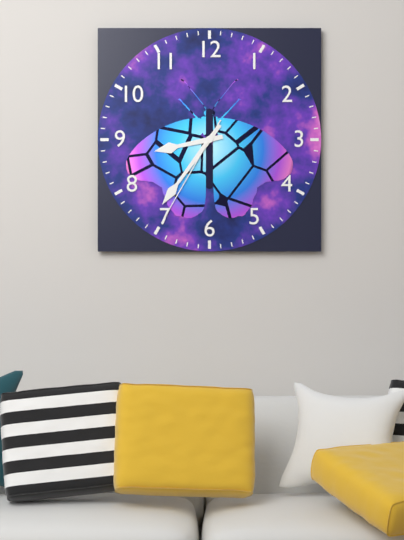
8,36,35
